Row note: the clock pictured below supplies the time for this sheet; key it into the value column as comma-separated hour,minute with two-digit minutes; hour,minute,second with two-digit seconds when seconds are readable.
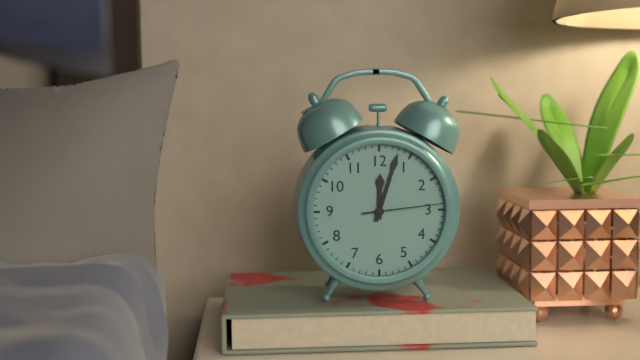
12,03,14
